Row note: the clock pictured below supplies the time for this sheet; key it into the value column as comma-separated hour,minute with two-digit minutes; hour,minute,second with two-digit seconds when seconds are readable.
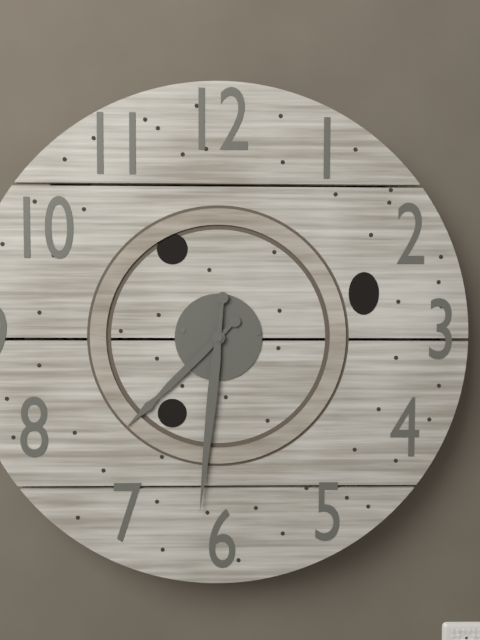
7,31
